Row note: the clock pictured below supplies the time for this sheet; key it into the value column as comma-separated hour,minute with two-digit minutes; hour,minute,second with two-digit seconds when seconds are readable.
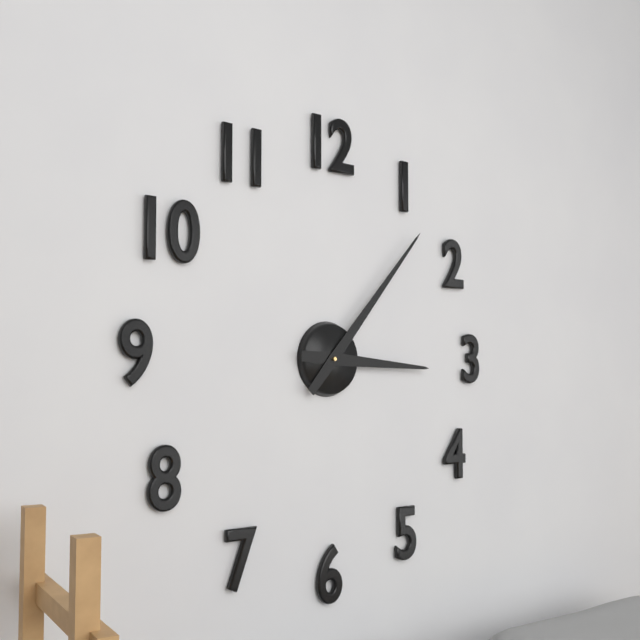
3,07
